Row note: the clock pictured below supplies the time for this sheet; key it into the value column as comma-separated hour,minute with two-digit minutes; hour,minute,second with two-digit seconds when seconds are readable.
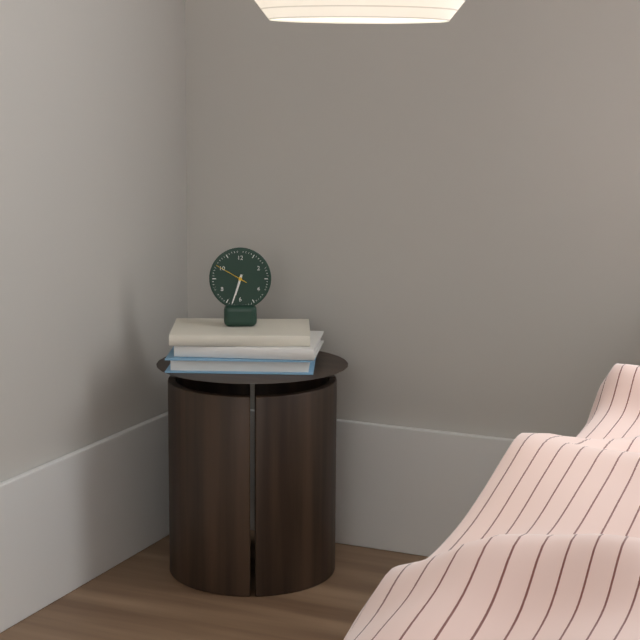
6,33
